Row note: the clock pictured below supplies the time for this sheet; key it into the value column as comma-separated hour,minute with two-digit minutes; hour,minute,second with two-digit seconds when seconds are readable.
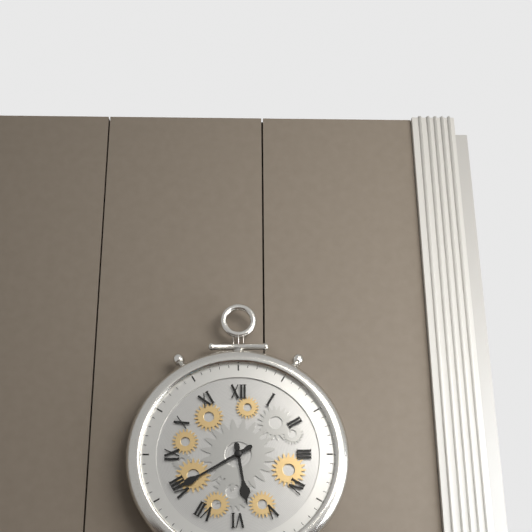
5,40
